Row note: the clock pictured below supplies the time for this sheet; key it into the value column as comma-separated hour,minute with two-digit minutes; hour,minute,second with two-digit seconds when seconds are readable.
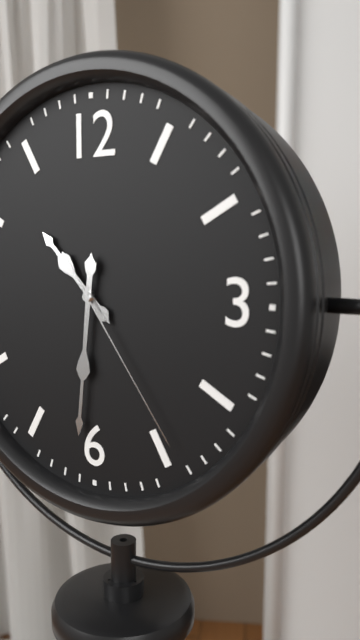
10,31,24
